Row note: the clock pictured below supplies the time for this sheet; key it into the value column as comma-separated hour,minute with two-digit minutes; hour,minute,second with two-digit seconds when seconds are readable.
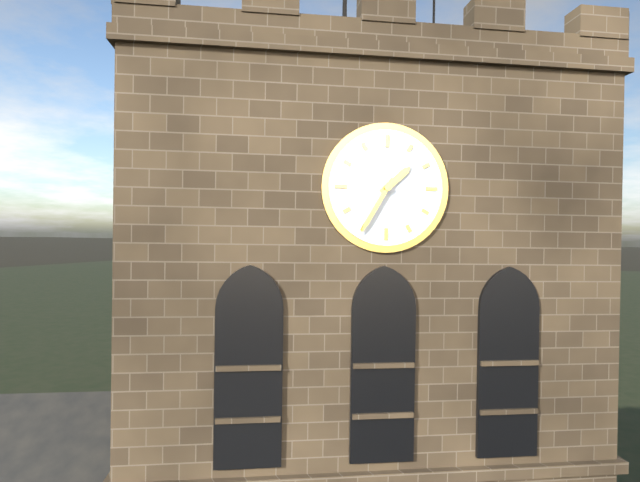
1,35
